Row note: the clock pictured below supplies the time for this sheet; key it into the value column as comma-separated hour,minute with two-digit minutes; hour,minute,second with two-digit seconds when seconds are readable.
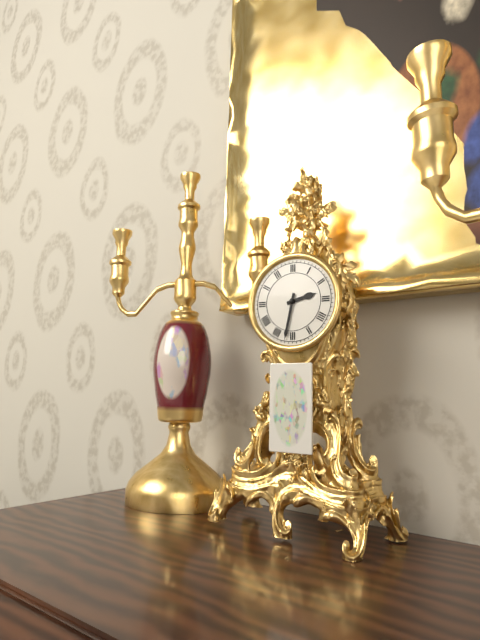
2,32
